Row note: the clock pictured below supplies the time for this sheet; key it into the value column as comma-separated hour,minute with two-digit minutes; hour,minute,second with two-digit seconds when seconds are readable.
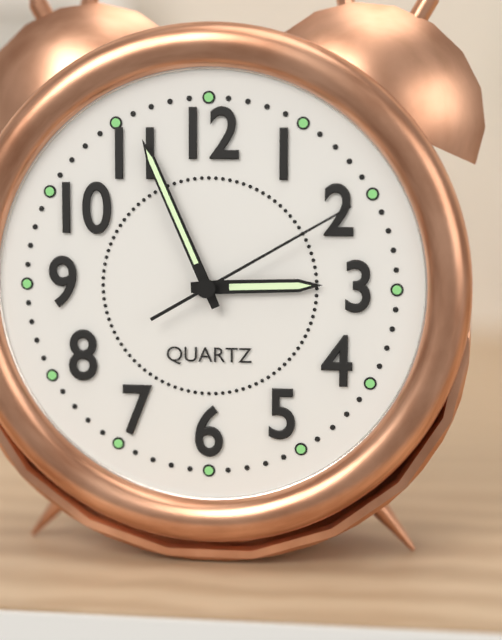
2,56,10
